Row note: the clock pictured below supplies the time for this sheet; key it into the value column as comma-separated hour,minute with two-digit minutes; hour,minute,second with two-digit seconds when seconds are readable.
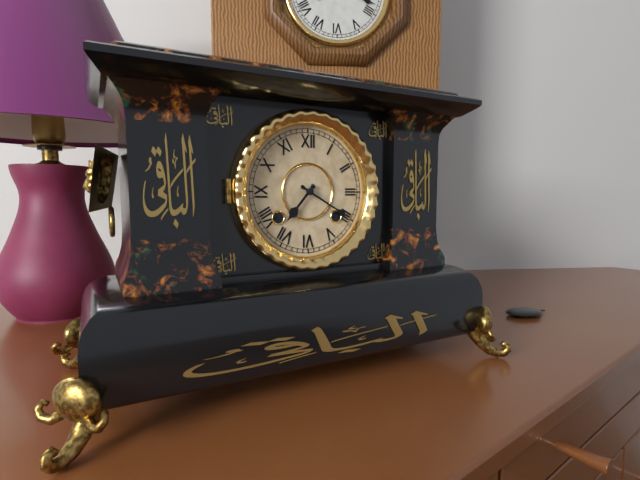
7,20
